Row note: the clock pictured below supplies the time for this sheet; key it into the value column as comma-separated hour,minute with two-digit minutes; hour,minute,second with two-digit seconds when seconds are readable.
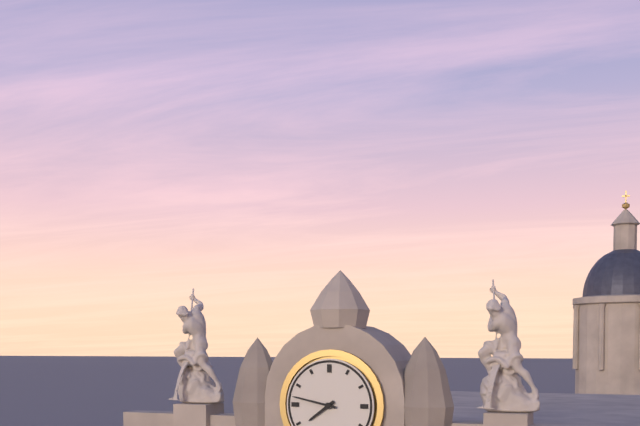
7,47
